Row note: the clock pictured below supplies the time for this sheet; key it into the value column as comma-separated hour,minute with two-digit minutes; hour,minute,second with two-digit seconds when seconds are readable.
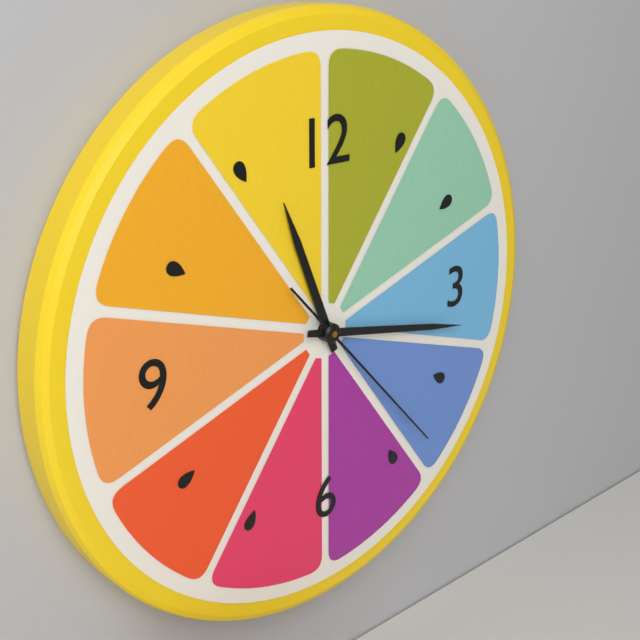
11,17,23
